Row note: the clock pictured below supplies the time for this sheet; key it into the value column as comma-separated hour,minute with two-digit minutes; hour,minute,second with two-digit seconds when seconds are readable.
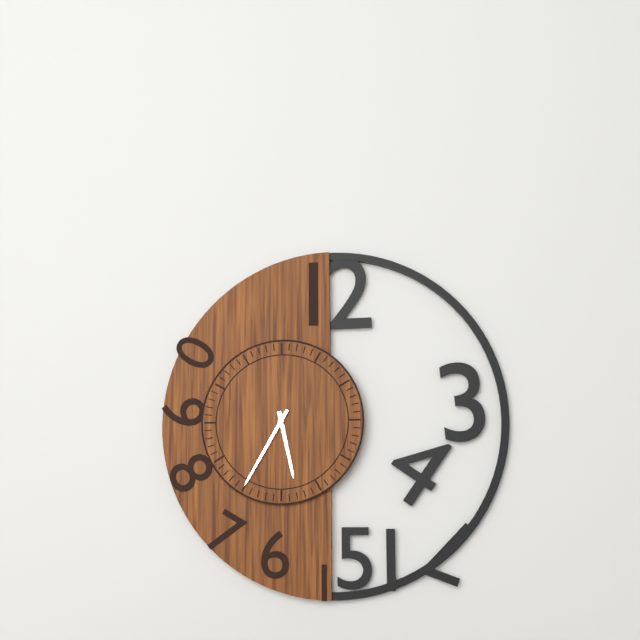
5,35
